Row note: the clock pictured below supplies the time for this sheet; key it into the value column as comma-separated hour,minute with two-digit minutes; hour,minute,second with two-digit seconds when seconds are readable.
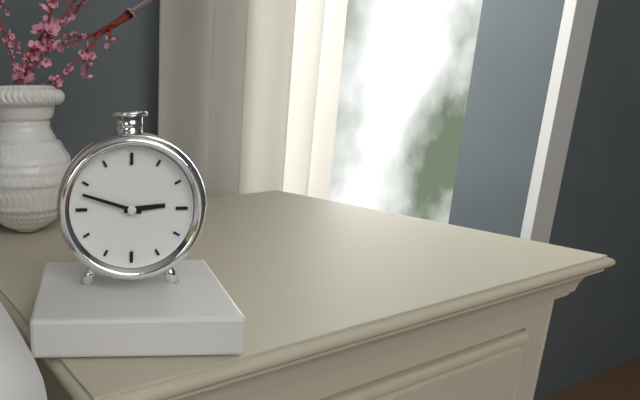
2,48
